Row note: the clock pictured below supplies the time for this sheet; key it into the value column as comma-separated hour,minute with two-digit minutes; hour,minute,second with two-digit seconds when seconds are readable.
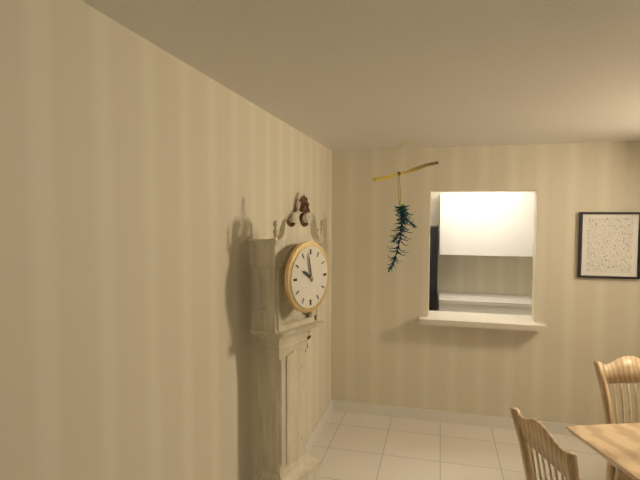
9,58
